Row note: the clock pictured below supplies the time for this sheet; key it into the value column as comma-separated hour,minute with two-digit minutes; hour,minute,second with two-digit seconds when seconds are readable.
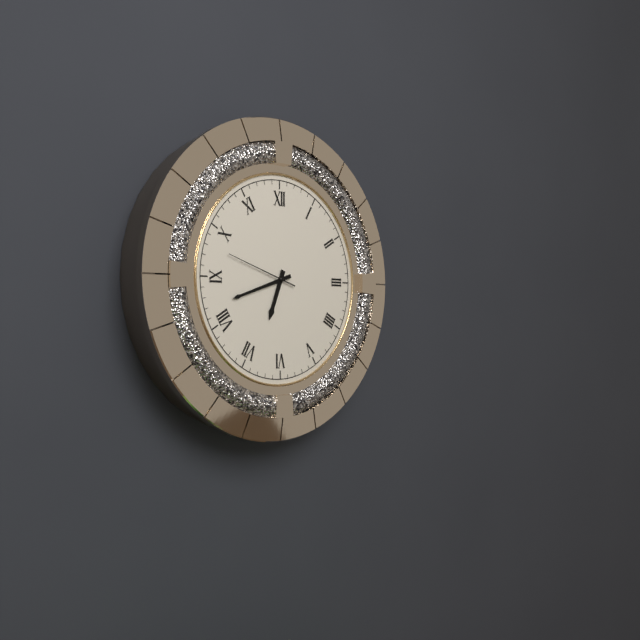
6,42
